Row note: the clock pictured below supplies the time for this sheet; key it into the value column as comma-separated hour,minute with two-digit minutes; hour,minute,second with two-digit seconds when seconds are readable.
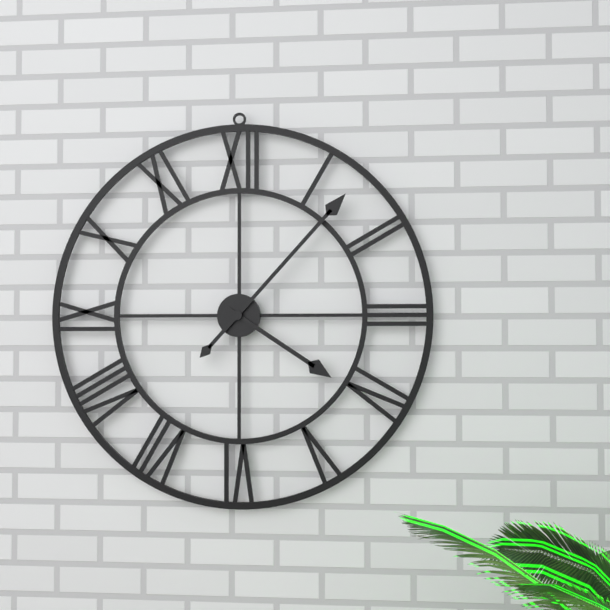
4,07
